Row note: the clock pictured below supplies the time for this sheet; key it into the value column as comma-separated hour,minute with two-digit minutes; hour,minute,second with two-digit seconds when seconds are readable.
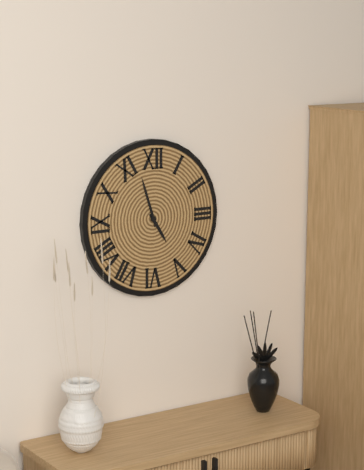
4,57
